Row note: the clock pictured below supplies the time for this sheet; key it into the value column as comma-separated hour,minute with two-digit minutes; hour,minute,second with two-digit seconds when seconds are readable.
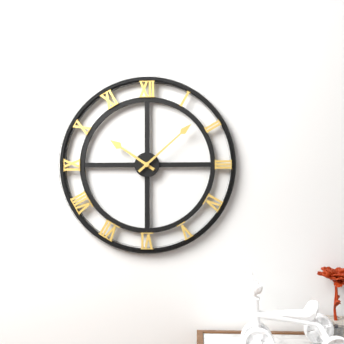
10,08
